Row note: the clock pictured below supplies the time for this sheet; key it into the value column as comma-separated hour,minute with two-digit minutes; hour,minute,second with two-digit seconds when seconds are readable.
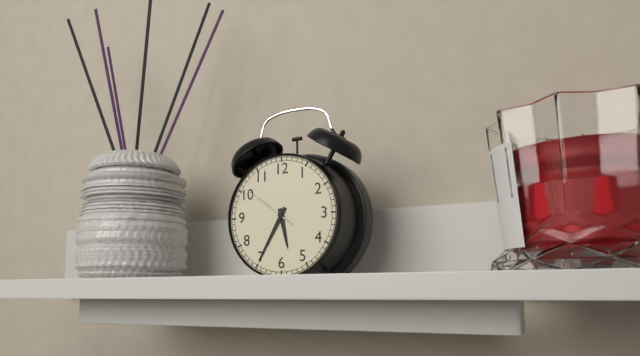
5,35,51
